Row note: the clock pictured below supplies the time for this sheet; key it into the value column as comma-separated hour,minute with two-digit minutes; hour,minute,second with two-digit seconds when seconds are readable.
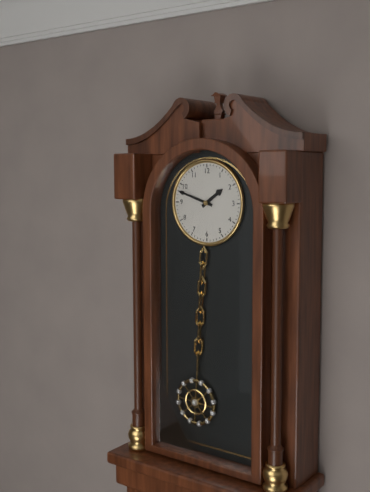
1,48
